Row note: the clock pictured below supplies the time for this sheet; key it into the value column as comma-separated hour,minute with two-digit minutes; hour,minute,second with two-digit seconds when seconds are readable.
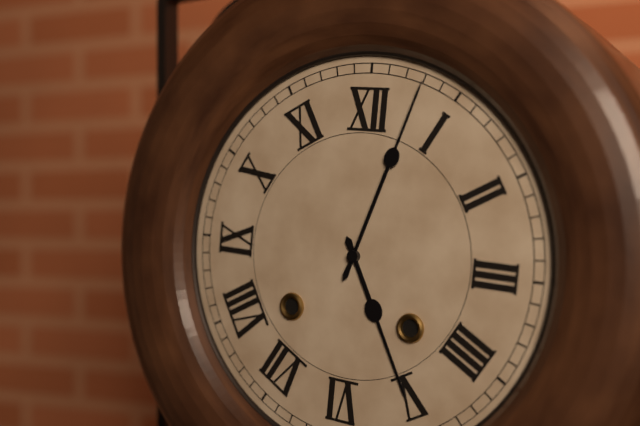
5,03
